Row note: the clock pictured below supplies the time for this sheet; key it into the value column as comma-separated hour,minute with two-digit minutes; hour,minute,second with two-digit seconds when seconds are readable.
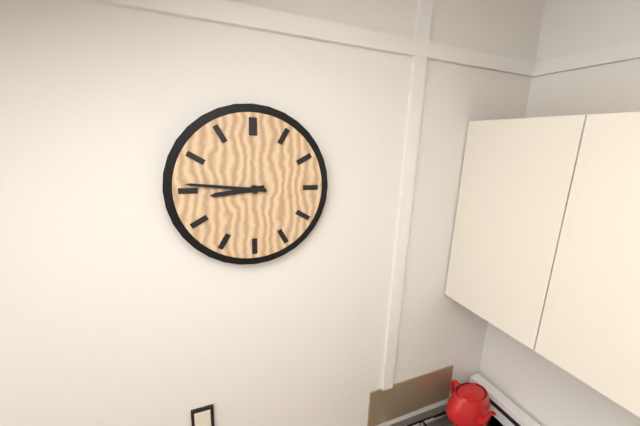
8,46
